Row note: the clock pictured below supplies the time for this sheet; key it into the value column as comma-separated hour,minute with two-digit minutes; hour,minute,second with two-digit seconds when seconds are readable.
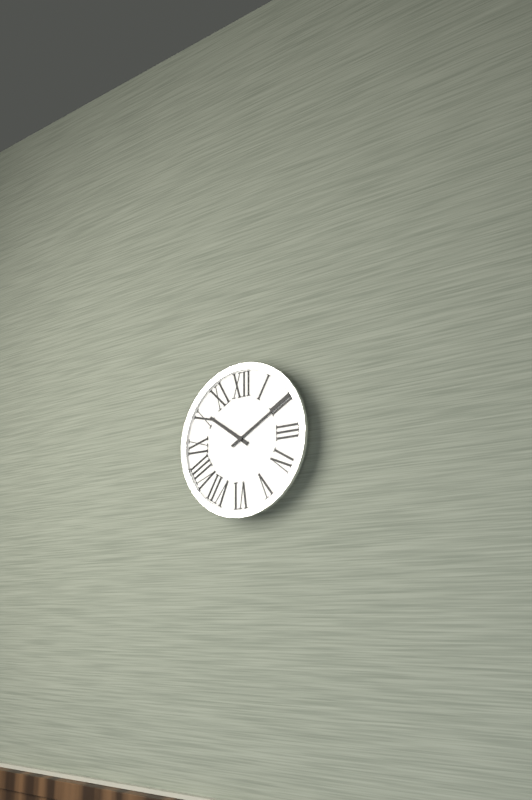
10,10
